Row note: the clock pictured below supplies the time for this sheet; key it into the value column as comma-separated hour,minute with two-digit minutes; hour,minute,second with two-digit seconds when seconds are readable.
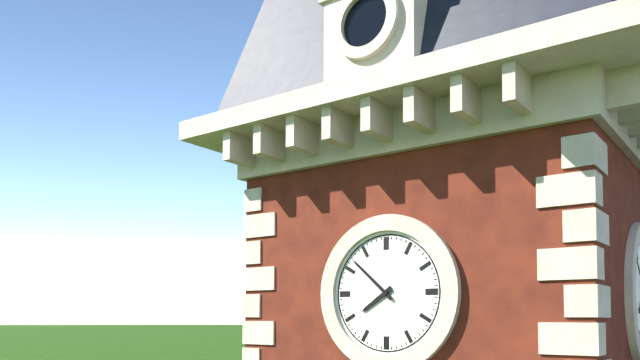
7,52
